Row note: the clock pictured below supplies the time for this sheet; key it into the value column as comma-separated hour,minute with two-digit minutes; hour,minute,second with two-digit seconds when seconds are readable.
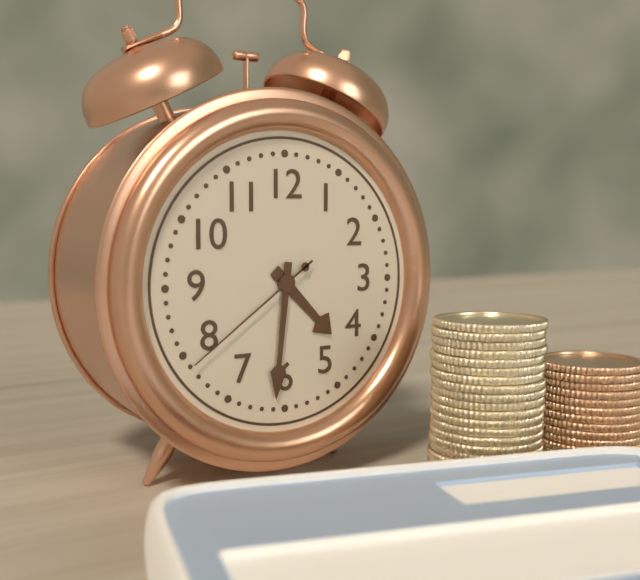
4,31,39
